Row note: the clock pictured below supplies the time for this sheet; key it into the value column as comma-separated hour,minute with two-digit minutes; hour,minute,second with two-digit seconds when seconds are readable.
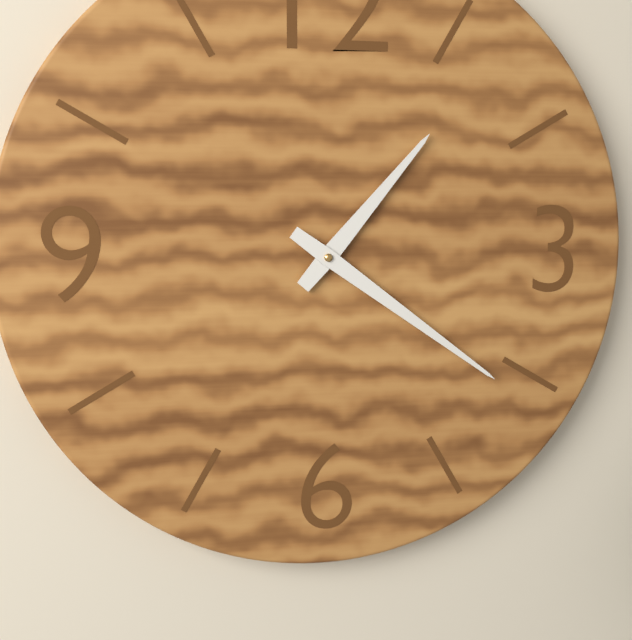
1,21
